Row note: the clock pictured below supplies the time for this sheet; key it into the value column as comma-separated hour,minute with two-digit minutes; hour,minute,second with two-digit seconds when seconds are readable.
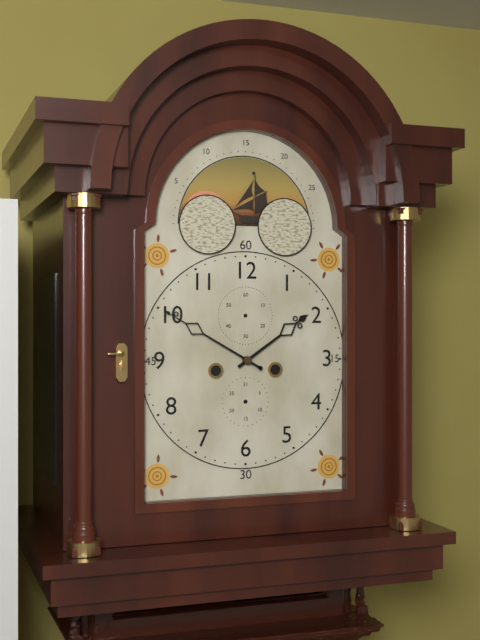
1,50
